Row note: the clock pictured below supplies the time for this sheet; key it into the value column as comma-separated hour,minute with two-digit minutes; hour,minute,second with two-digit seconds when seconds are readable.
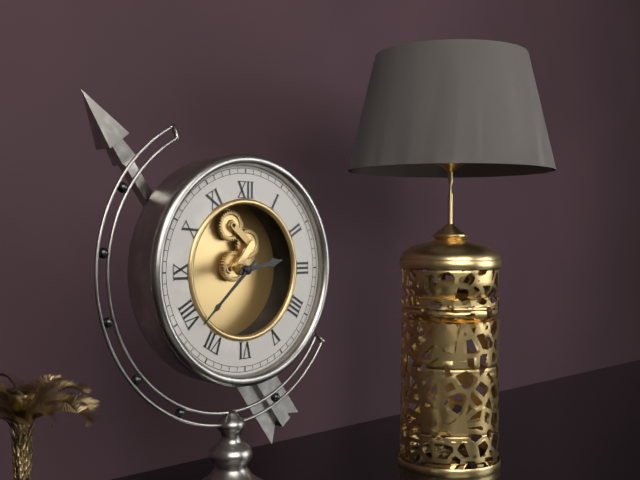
2,38
